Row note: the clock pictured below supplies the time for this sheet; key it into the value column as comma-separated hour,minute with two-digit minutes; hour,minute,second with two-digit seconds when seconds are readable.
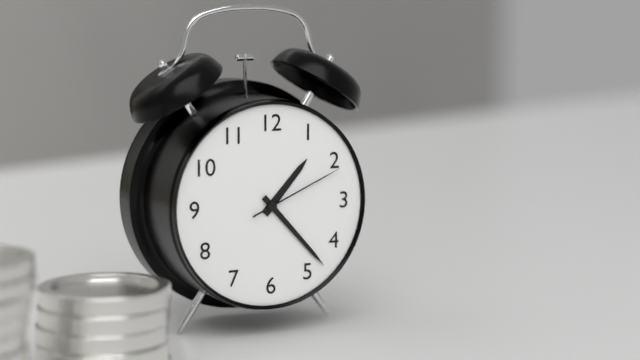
1,23,11
